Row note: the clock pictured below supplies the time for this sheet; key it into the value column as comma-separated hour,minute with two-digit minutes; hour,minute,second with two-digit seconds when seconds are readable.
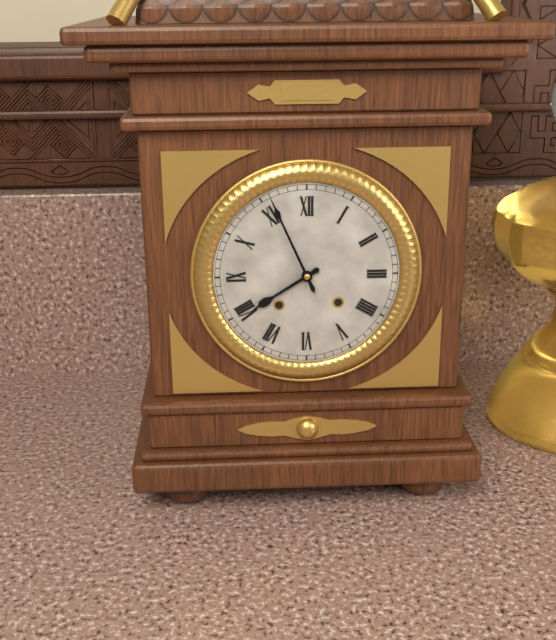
7,56
